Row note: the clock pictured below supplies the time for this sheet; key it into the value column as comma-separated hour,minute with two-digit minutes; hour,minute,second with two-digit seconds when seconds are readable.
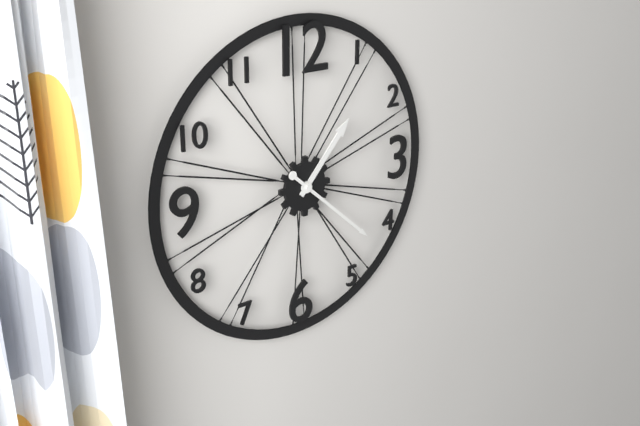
1,22
